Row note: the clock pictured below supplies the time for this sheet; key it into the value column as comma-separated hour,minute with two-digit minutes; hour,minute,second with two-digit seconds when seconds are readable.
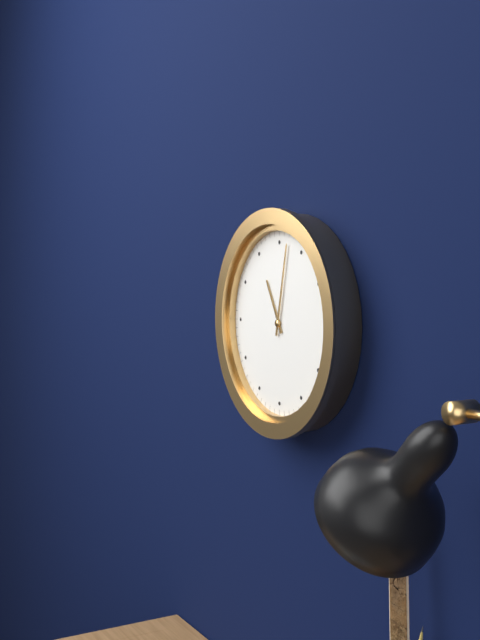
11,02
